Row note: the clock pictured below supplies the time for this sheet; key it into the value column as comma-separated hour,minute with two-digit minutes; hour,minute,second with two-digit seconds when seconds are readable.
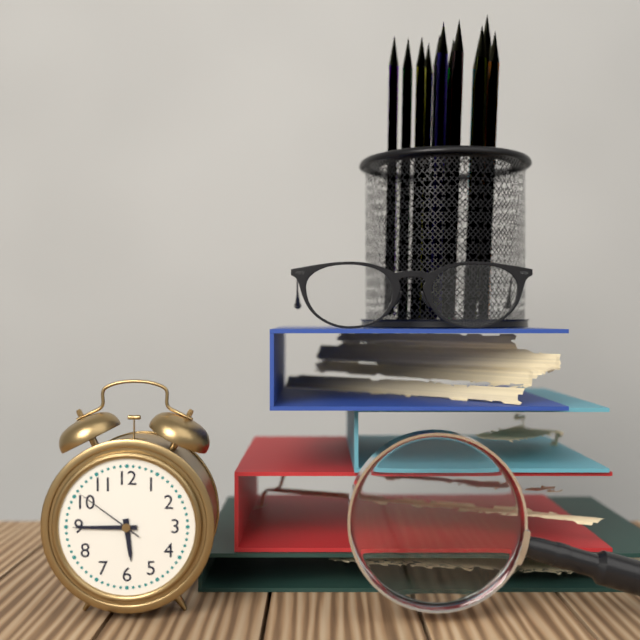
5,45,51
